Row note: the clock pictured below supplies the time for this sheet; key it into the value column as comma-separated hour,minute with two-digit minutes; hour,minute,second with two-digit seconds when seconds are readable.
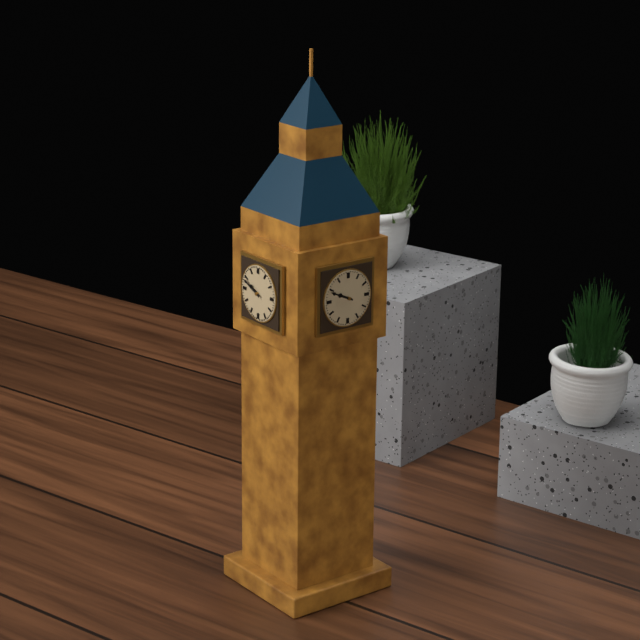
9,49
